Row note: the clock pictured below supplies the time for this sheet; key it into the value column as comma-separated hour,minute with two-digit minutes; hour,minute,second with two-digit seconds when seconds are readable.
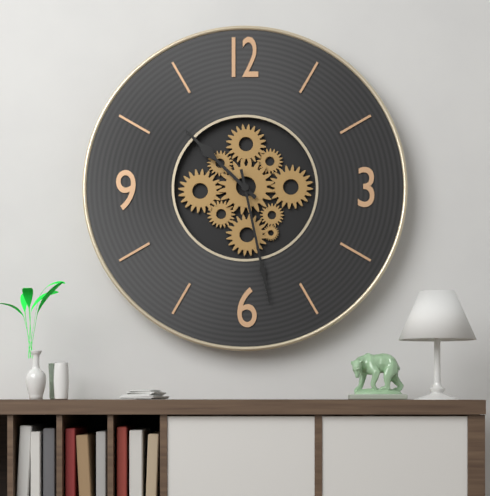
10,28
